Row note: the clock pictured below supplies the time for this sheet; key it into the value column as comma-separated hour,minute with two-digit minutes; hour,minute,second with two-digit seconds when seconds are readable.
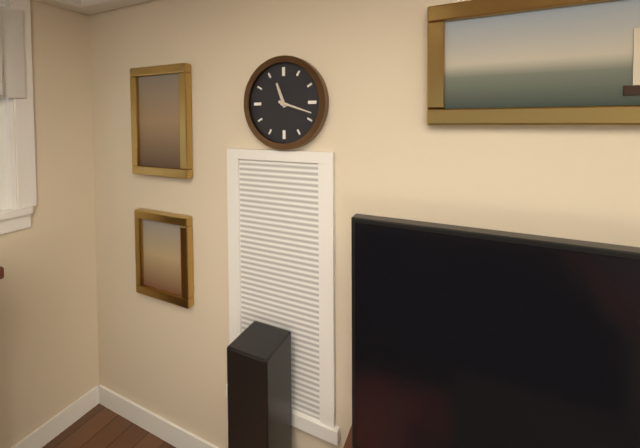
11,18
